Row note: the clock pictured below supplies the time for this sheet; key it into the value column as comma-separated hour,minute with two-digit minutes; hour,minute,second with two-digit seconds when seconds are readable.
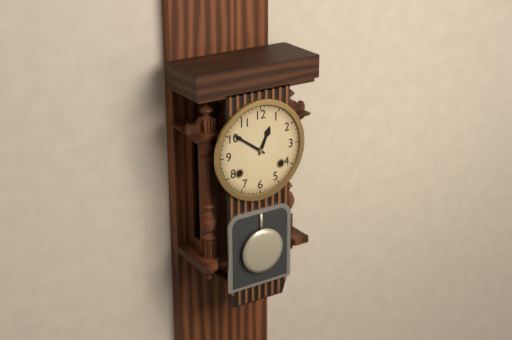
12,51
